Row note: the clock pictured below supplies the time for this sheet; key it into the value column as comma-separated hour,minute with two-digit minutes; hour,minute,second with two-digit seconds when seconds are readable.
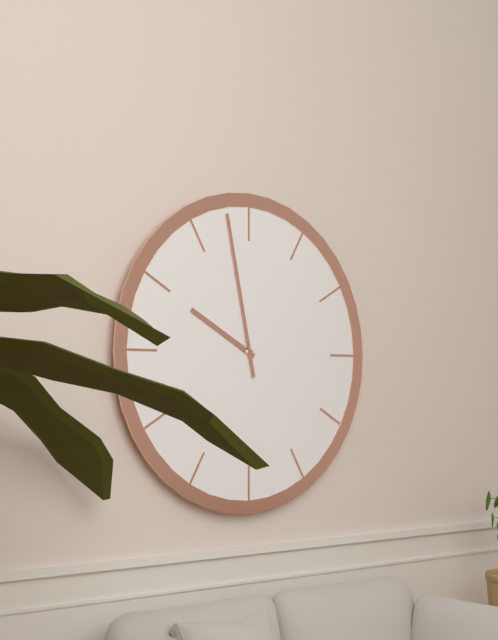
9,58
